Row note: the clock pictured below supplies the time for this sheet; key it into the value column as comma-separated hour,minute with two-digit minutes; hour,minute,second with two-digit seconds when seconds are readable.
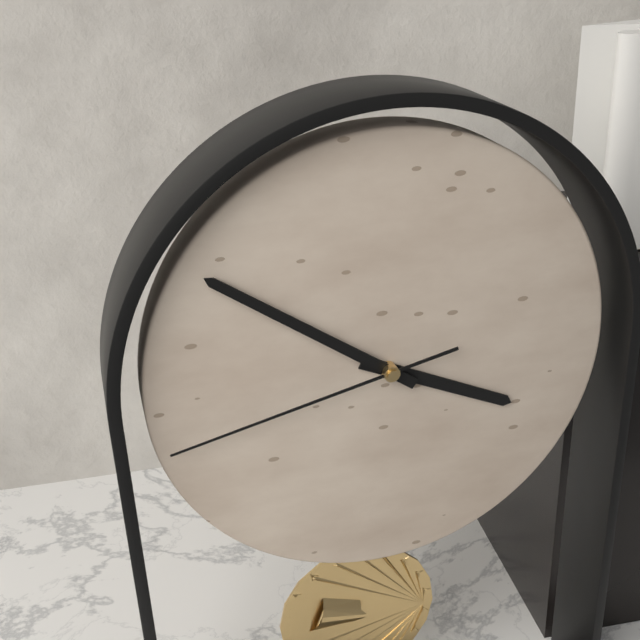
3,51,43
